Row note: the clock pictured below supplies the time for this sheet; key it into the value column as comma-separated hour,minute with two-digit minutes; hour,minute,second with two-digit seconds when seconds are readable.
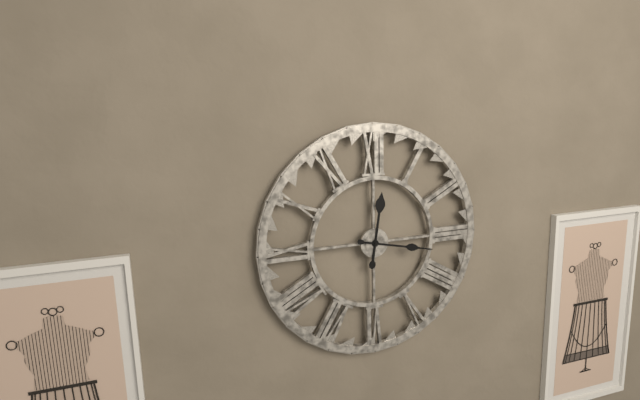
12,17
